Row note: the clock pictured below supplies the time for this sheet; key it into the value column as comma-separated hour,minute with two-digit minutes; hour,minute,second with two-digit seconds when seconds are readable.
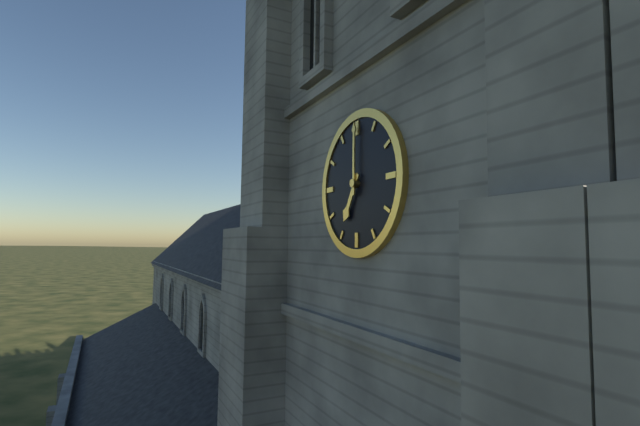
7,00
